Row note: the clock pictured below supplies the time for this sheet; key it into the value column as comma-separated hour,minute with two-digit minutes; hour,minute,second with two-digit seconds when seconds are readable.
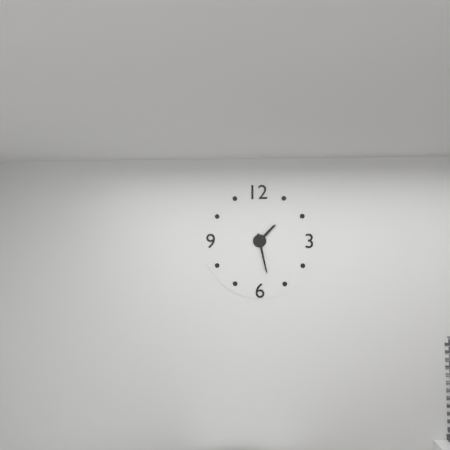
1,28
